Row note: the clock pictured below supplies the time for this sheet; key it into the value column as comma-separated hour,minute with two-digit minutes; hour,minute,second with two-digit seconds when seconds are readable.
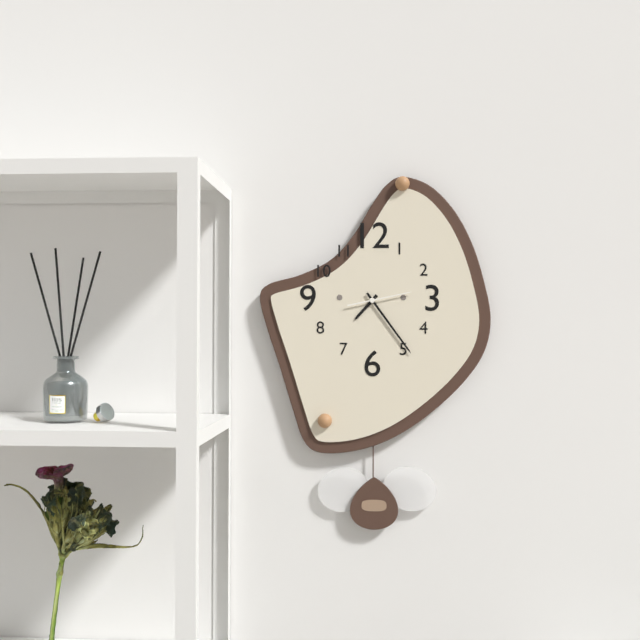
7,24,13
